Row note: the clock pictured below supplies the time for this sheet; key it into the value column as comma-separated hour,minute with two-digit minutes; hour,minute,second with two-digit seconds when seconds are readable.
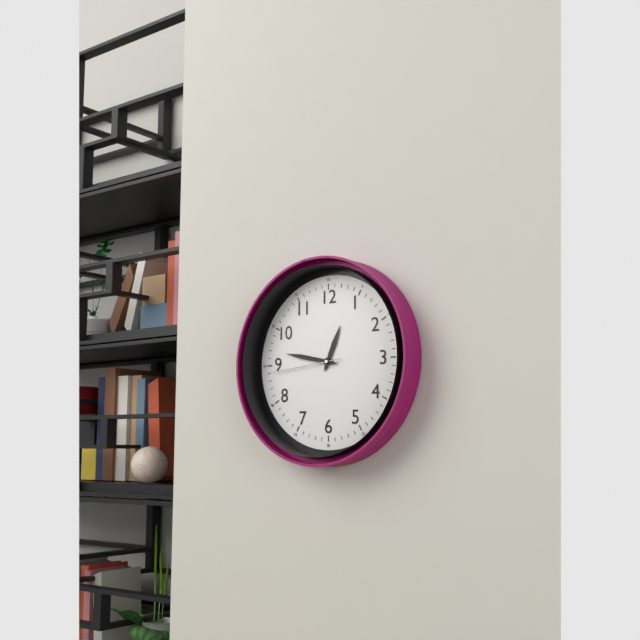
12,47,44
